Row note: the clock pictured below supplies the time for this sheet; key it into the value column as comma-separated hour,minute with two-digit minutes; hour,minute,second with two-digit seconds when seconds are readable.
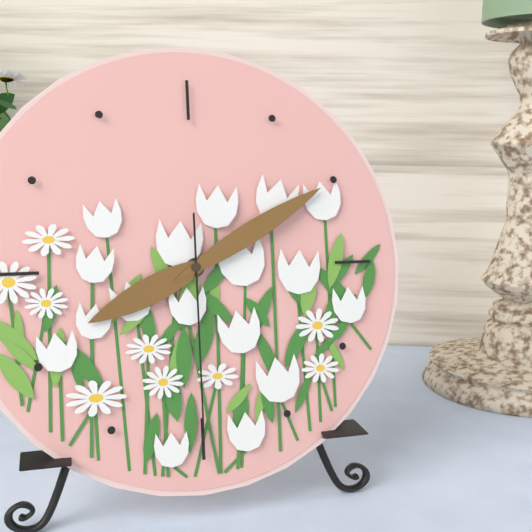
8,10,30
